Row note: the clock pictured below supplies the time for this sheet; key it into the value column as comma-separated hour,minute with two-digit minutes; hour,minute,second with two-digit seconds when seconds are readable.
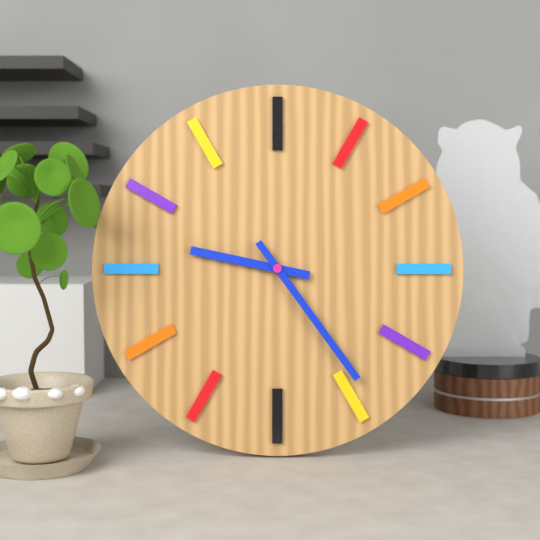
9,24
